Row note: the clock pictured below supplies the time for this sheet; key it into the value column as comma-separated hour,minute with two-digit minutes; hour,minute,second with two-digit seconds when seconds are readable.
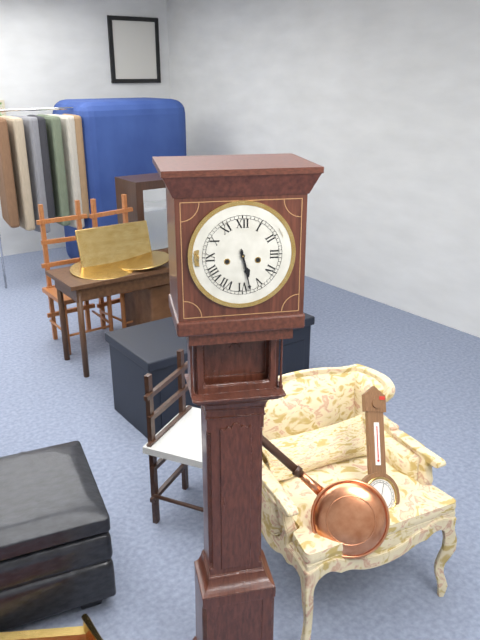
5,28
